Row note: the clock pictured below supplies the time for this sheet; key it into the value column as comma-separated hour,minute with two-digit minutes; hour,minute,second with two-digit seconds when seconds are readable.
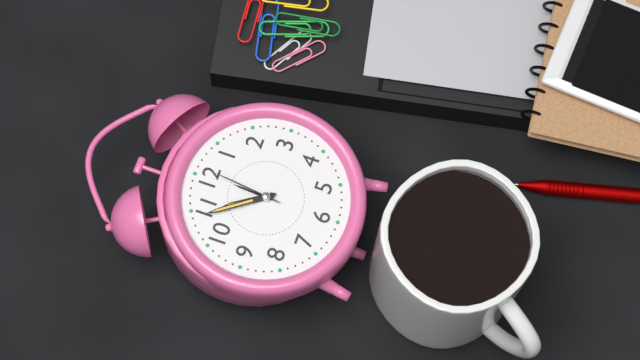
10,54,01
